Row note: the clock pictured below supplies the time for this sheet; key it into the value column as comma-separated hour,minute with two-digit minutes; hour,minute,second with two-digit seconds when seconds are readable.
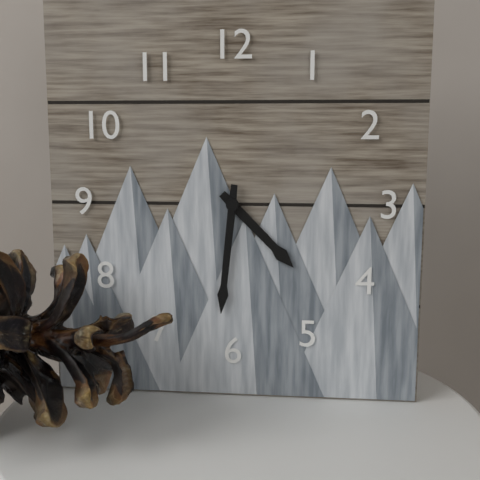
4,31
